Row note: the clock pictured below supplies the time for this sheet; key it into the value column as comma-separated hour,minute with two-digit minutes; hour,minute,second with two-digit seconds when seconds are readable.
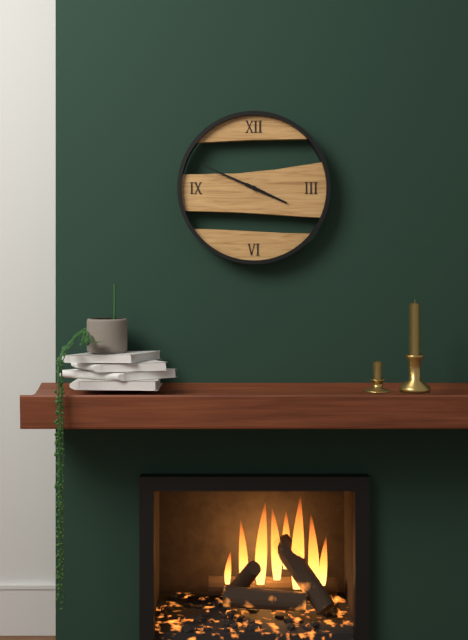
3,49
